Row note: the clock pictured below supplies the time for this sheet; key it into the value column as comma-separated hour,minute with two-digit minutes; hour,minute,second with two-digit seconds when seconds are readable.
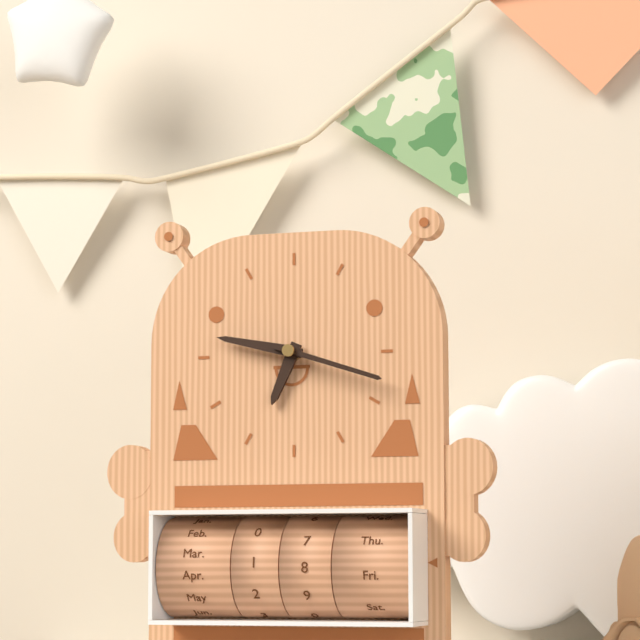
6,47,18
